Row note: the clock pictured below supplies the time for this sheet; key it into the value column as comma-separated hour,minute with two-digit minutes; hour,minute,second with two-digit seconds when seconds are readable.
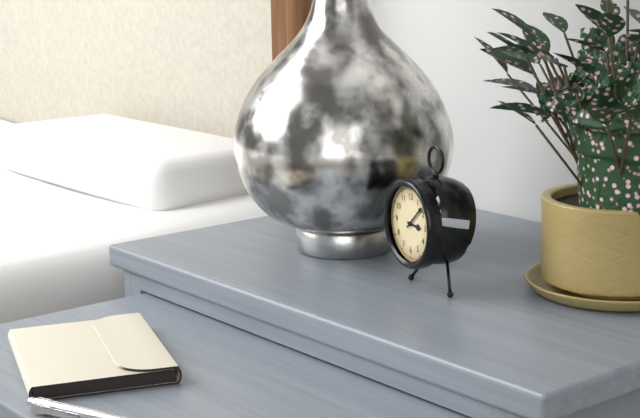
3,08
